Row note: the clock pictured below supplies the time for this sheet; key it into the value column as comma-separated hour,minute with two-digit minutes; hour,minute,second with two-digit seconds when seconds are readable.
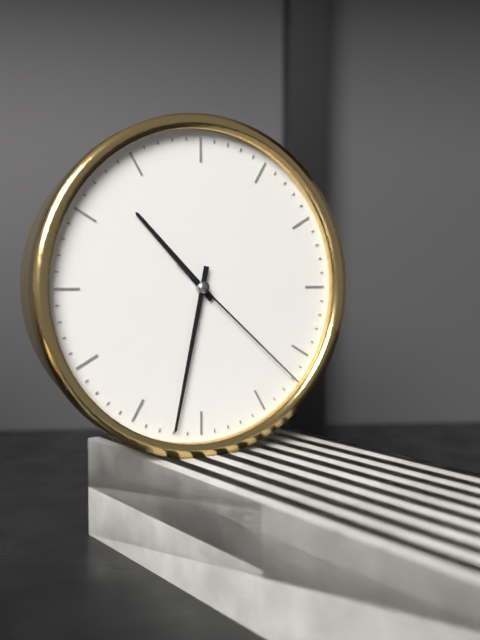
10,32,22
